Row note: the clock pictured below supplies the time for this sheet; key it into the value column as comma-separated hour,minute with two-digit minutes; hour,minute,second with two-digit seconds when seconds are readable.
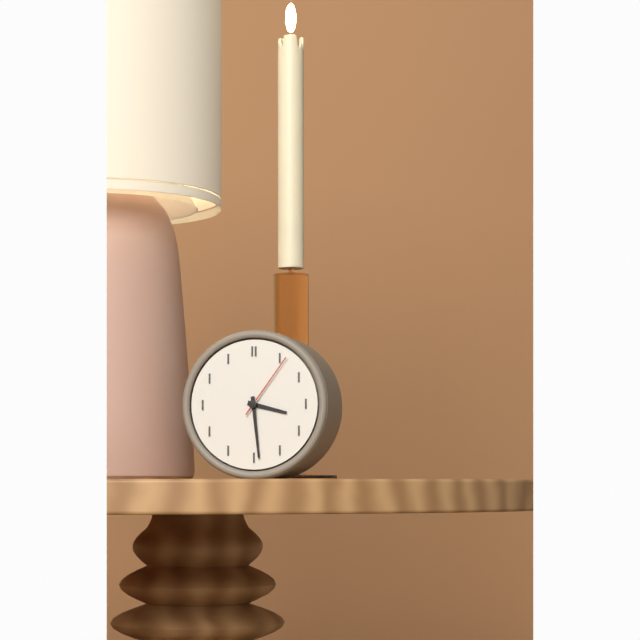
3,29,06
